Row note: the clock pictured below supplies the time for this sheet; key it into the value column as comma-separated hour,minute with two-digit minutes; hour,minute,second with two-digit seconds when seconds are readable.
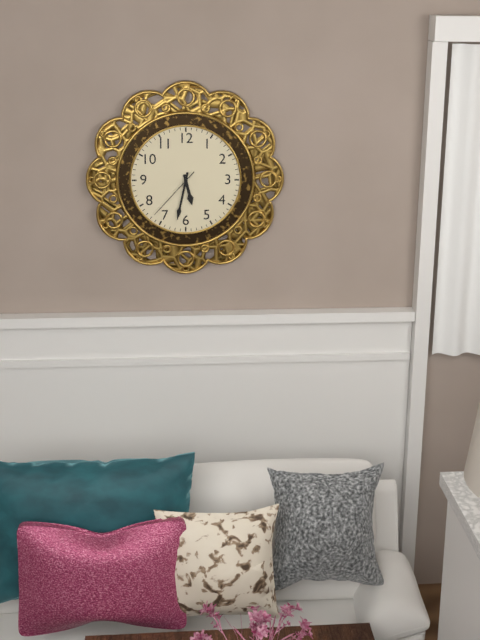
5,32,37
